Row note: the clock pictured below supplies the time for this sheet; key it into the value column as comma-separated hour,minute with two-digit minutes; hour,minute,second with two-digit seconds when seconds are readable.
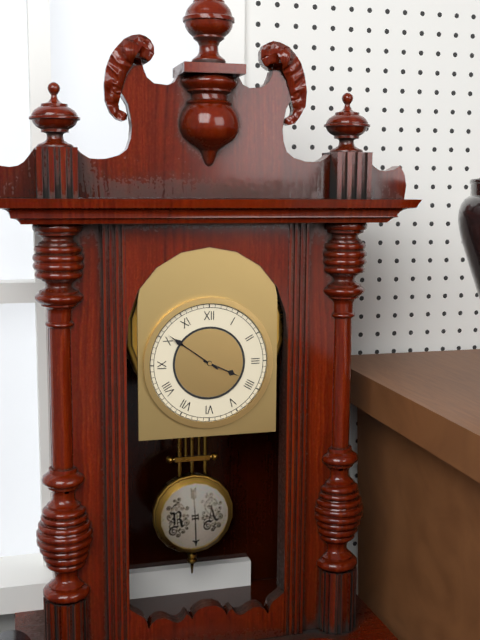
3,51
